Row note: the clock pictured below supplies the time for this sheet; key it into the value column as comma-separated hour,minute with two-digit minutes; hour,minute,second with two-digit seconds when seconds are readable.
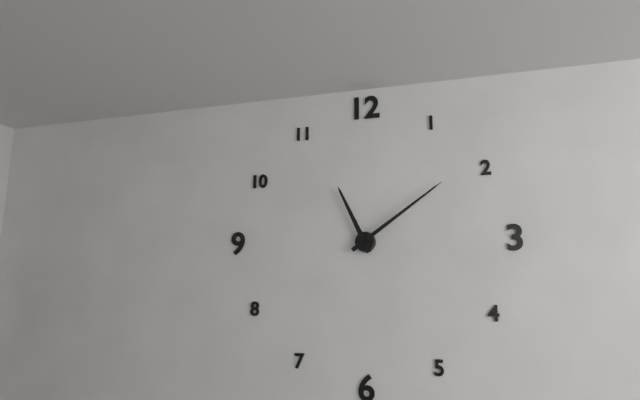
11,09
